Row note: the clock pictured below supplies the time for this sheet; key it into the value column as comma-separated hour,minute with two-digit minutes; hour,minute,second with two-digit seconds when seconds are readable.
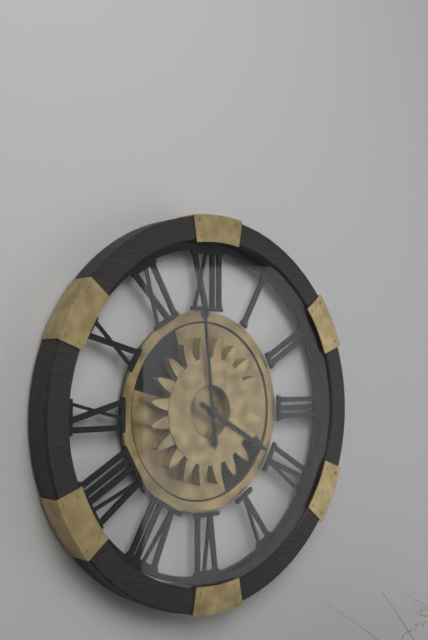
3,59
